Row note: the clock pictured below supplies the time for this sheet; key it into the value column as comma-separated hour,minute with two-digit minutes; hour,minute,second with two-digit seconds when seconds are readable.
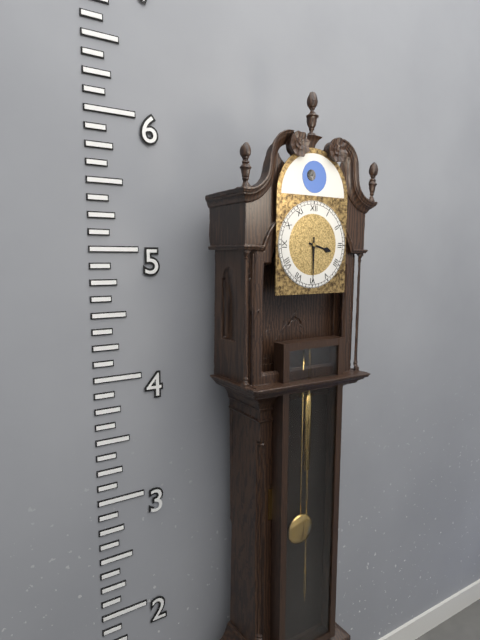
3,30
